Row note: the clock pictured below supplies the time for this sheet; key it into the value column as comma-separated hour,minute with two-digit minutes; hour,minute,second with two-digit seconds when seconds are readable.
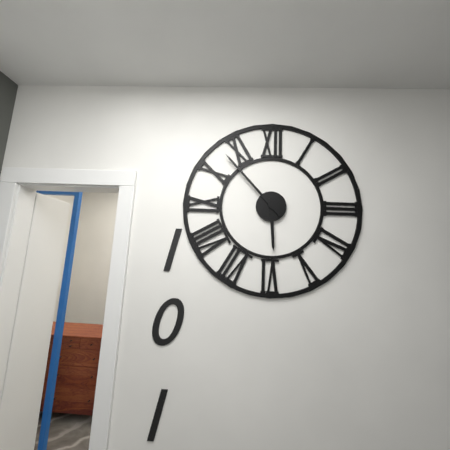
5,53
